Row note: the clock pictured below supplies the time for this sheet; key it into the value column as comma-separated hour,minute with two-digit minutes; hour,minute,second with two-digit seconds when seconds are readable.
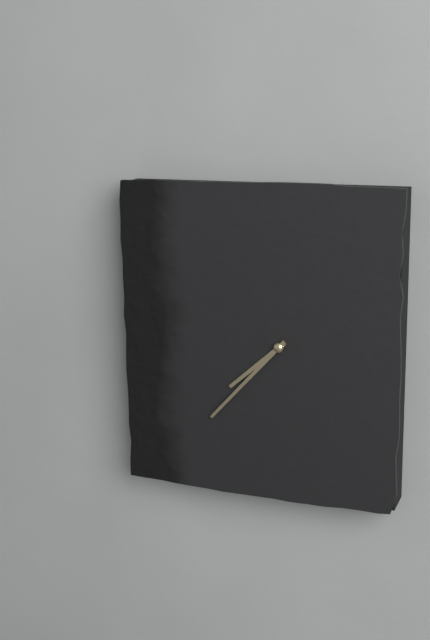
7,37
